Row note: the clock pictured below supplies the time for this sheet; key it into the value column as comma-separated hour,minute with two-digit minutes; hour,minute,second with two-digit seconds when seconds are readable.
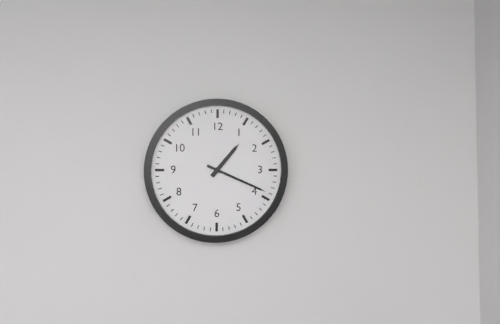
1,19
